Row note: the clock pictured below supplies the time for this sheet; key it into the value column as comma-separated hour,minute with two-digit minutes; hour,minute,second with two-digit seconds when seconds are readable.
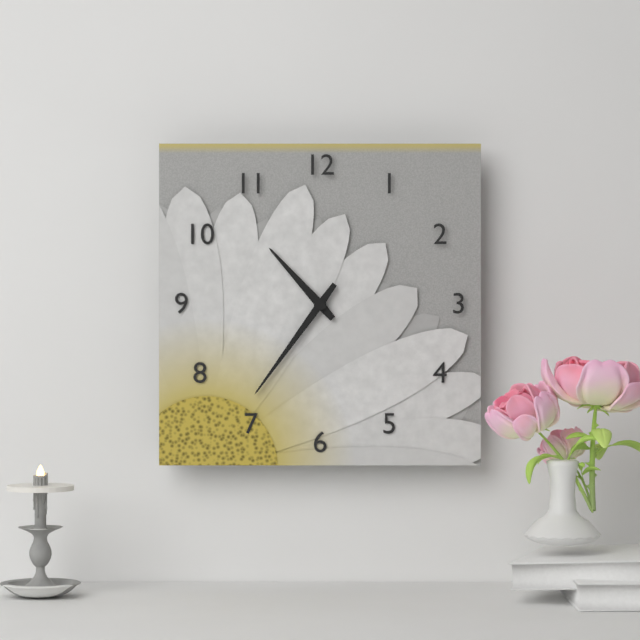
10,36
